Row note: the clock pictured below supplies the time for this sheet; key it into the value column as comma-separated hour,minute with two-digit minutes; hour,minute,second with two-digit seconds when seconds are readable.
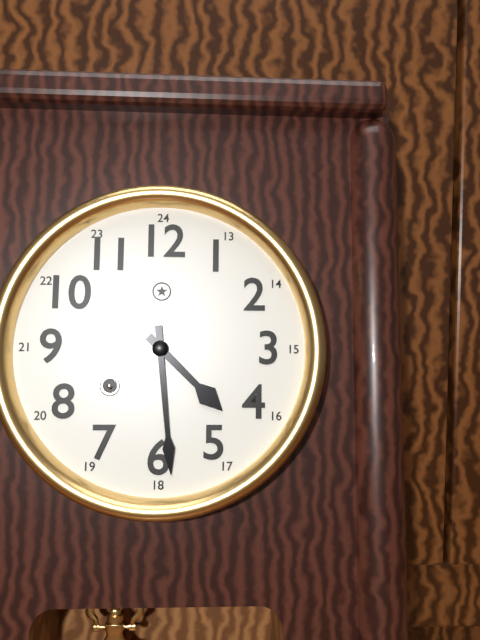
4,29
